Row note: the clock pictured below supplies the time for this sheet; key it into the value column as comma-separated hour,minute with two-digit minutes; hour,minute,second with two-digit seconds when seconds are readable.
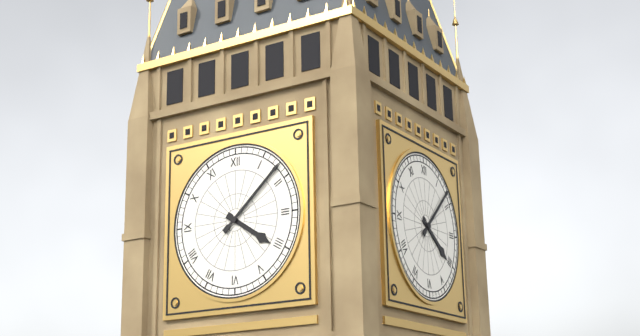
4,08
